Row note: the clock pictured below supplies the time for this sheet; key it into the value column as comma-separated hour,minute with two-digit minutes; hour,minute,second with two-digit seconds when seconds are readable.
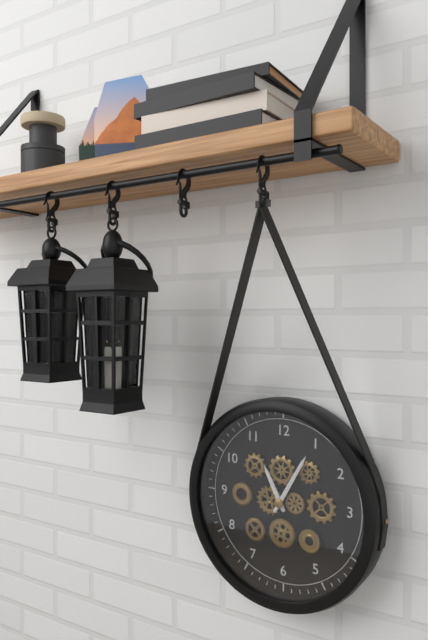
11,05
